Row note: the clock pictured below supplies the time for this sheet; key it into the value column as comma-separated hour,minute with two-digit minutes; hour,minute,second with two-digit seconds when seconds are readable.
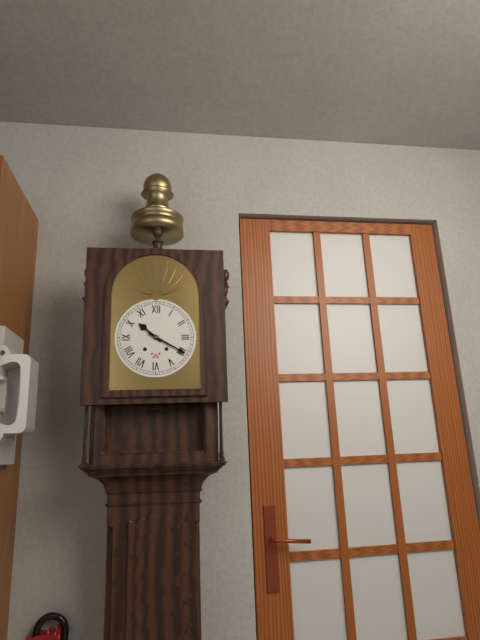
10,20
